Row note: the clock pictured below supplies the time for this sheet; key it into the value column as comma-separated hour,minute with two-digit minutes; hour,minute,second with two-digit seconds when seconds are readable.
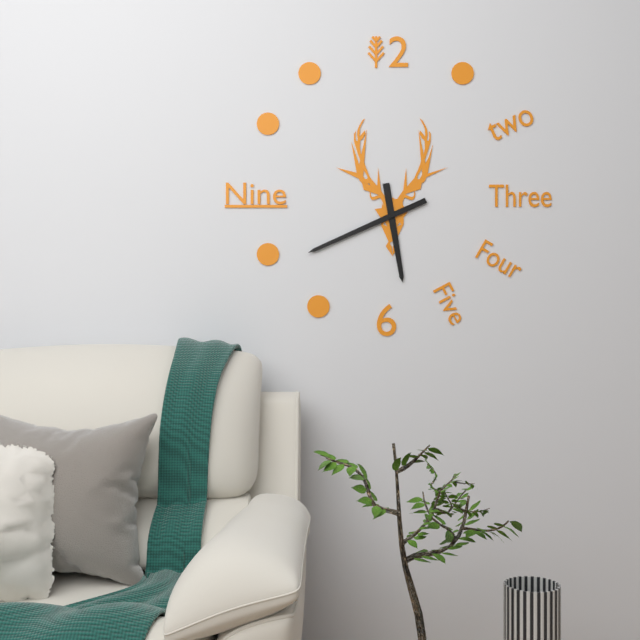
5,41
